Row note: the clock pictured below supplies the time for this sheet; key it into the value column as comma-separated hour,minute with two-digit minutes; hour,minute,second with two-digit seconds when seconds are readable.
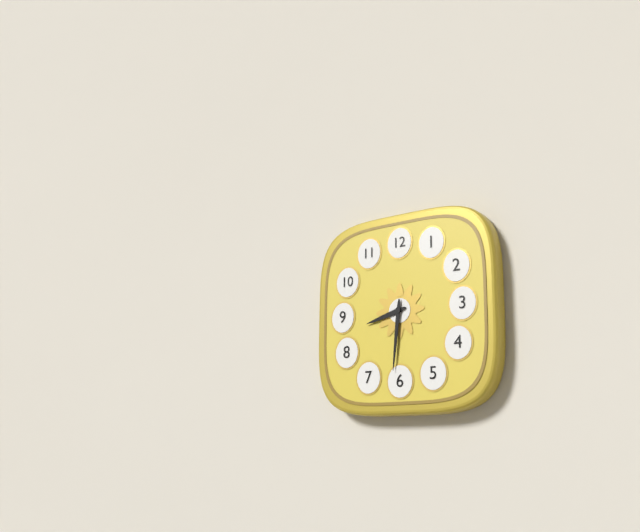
8,31
